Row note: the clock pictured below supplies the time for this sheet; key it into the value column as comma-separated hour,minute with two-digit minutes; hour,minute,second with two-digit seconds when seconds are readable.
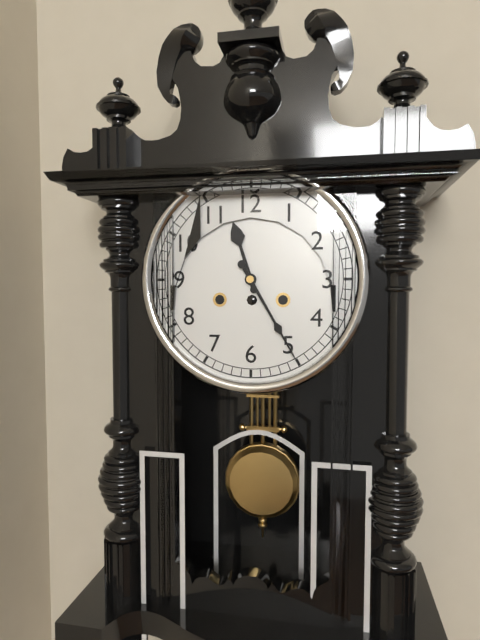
11,25
